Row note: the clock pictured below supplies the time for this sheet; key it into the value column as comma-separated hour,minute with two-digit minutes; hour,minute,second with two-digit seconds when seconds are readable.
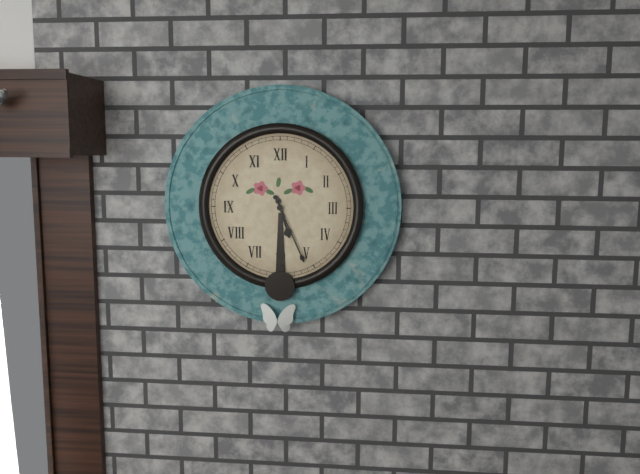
5,26
